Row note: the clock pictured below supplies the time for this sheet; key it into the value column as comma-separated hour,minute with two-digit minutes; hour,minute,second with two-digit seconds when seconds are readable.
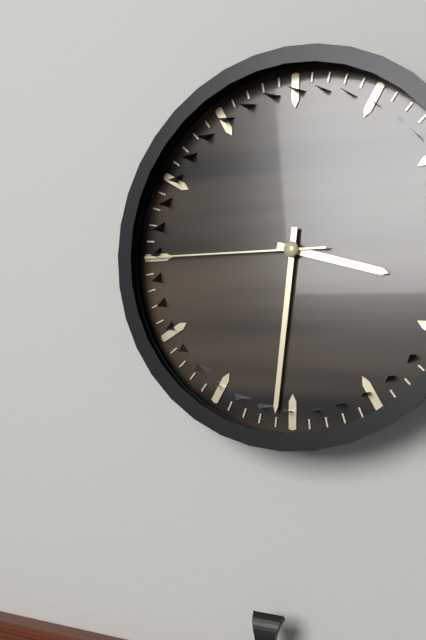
3,31,45
